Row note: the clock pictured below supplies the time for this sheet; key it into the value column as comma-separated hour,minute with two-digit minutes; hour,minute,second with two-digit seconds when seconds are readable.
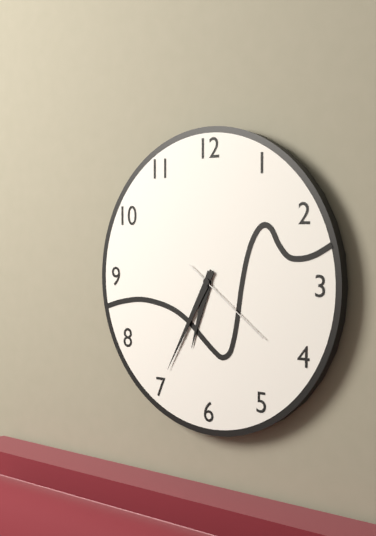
6,35,21
